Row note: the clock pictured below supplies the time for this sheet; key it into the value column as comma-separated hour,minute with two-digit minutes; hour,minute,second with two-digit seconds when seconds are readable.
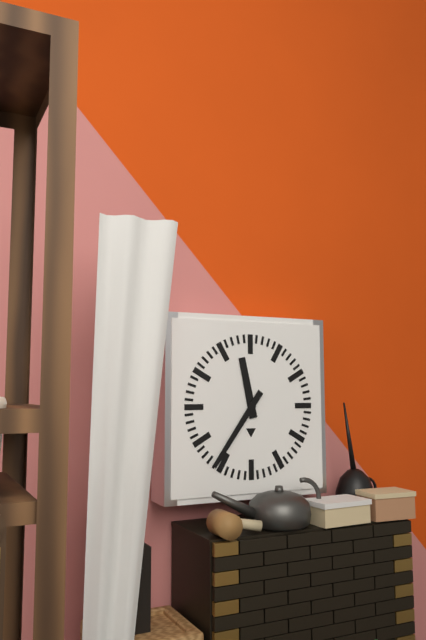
11,36
